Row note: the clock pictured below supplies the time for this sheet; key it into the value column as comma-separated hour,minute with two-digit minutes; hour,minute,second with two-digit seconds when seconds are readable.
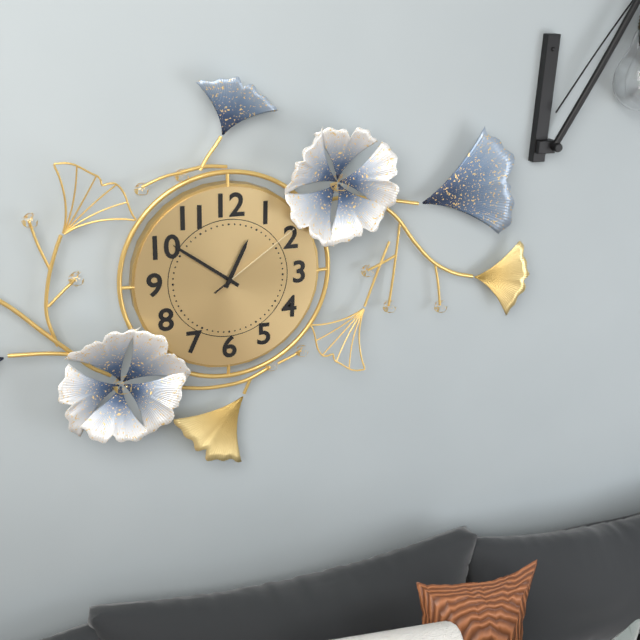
12,51,09
